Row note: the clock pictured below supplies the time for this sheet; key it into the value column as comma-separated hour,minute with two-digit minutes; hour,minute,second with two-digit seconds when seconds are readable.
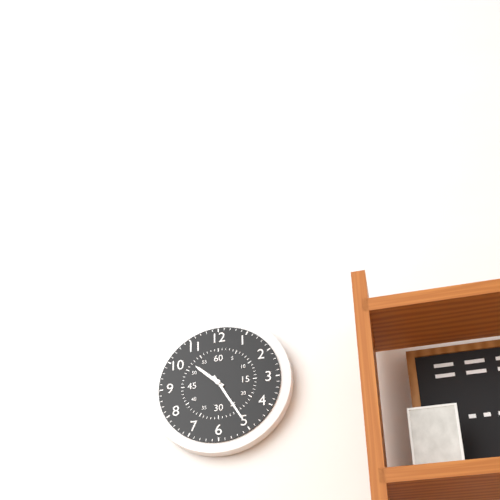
10,25
